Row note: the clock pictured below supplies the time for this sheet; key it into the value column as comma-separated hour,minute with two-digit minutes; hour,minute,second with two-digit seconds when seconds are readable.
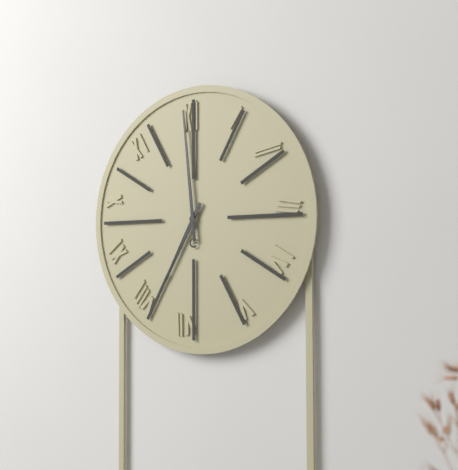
6,59
